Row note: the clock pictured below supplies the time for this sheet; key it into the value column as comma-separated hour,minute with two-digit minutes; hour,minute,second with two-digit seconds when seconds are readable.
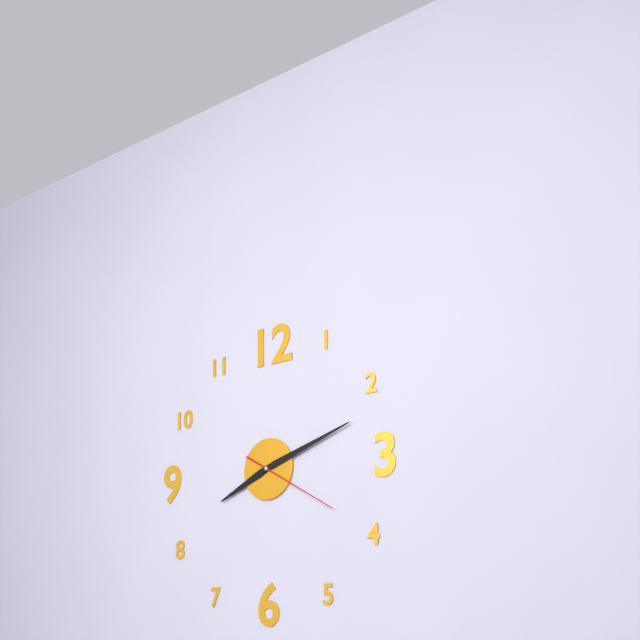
8,12,20
